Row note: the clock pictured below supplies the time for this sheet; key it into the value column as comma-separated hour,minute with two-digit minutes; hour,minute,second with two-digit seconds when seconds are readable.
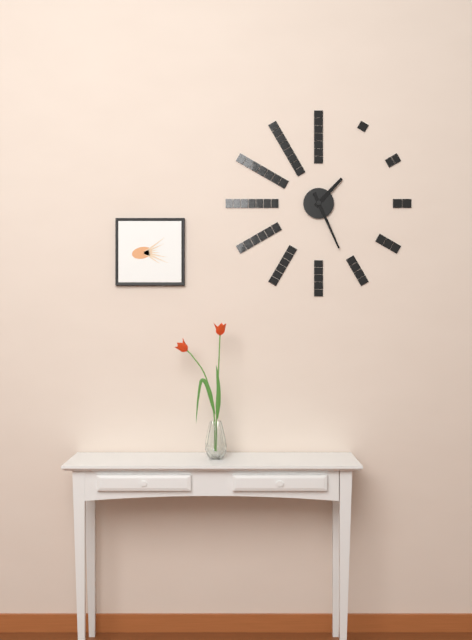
1,26
